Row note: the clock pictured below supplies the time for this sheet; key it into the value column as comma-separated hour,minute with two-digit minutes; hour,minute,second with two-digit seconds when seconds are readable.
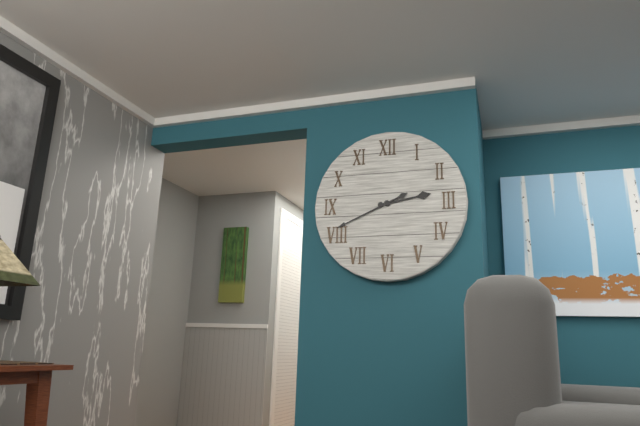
2,41
